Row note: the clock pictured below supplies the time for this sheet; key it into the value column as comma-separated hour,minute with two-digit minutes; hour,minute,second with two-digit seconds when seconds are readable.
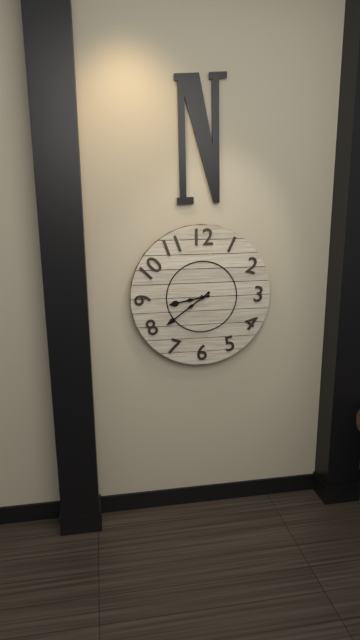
8,39
